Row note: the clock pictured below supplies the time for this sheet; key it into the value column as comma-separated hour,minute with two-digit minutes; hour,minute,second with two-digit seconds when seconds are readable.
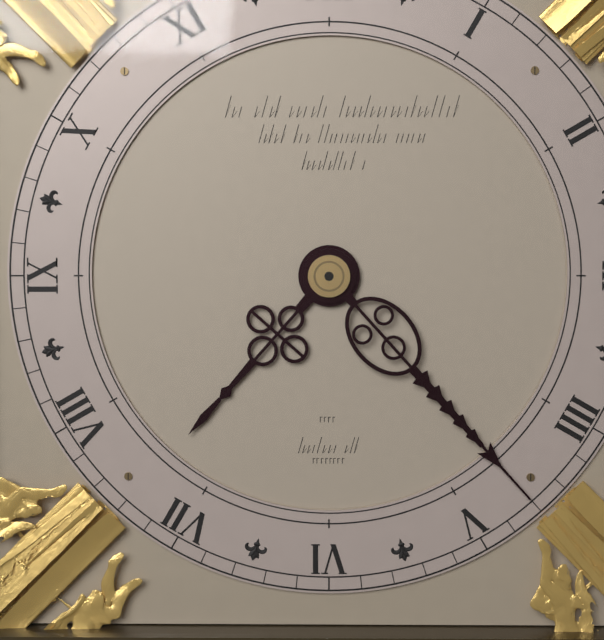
7,23
